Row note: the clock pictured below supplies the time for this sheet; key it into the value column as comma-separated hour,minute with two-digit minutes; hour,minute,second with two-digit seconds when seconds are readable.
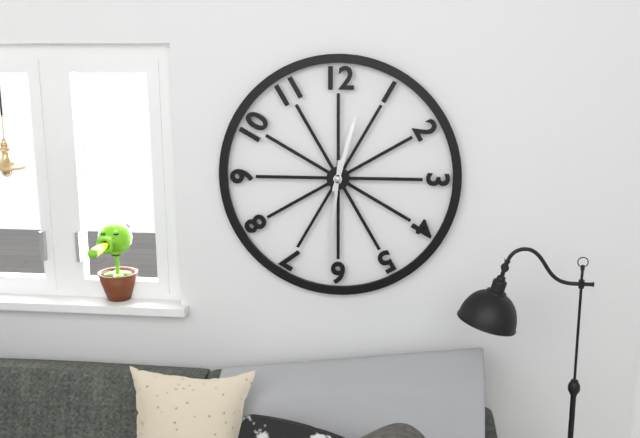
12,31
